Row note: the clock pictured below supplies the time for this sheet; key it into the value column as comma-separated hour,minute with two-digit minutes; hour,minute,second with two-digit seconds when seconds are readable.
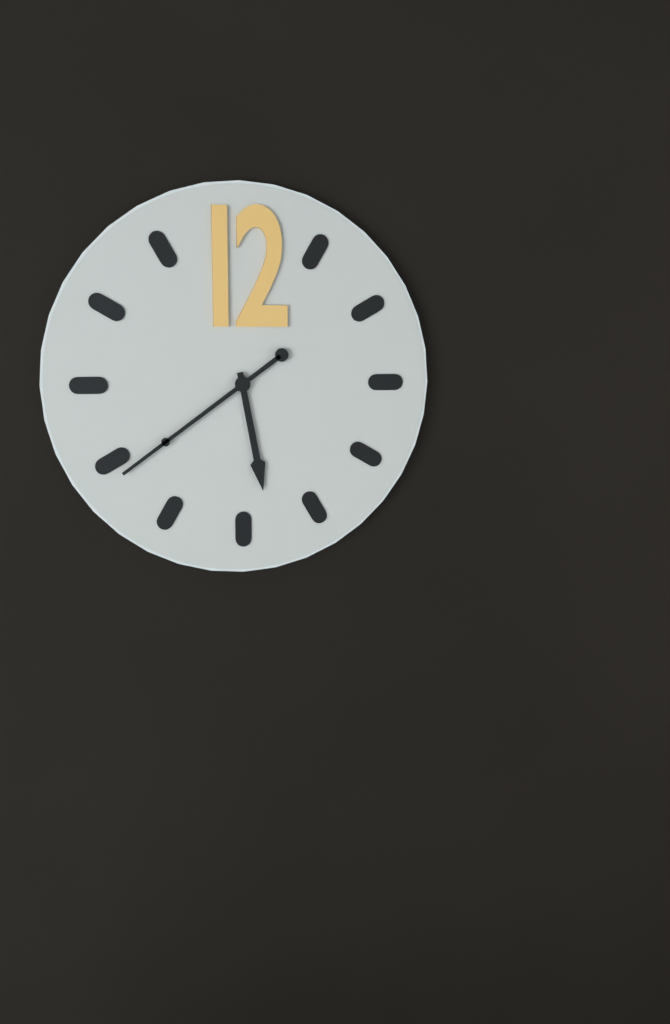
5,39
